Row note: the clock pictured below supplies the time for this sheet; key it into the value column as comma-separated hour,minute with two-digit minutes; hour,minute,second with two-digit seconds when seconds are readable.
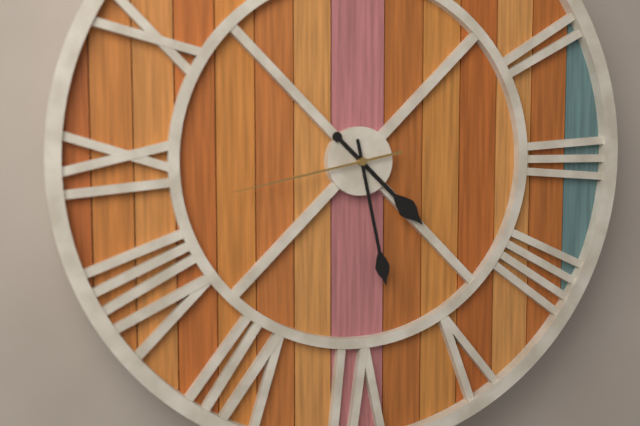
4,28,43
